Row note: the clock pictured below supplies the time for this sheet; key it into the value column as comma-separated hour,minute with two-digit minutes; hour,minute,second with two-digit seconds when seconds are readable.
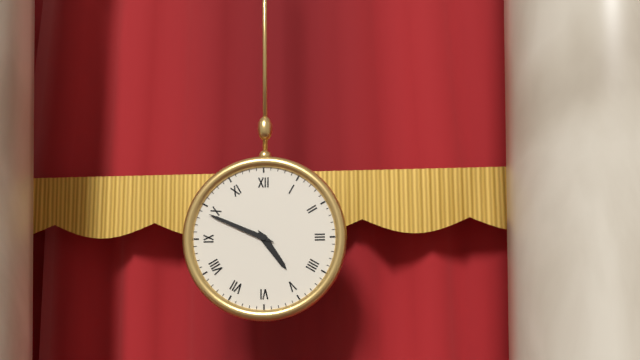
4,49
